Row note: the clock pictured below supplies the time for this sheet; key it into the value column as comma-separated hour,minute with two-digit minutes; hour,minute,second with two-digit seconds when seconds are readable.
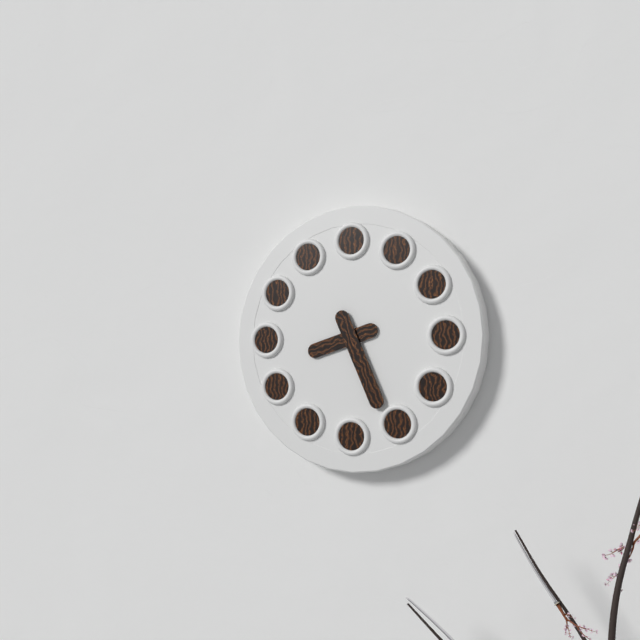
8,26
